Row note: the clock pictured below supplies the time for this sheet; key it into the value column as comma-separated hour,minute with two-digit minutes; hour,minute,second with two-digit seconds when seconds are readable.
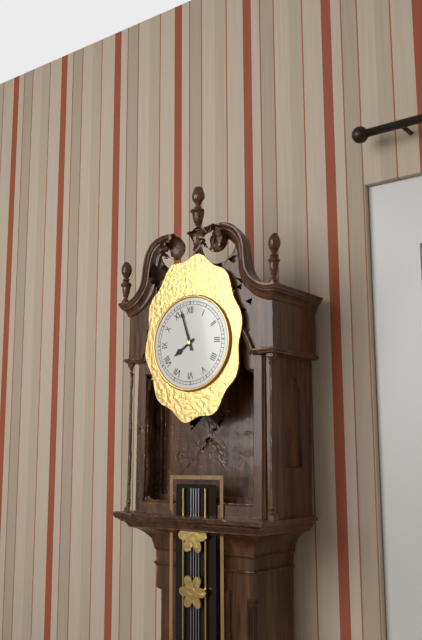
7,57
